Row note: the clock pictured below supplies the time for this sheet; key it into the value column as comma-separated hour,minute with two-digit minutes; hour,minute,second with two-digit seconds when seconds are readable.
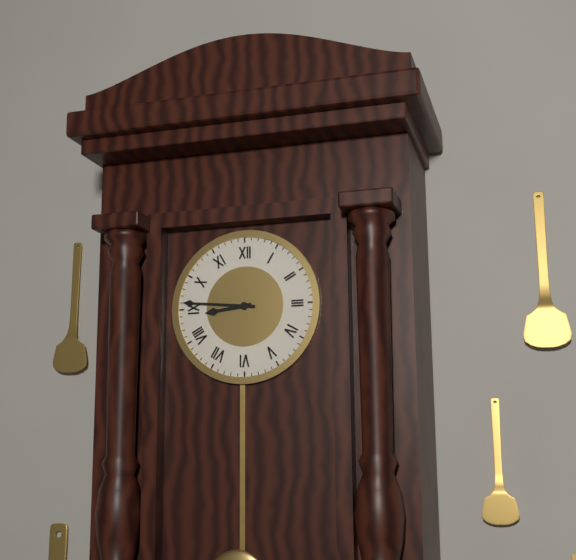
8,46
